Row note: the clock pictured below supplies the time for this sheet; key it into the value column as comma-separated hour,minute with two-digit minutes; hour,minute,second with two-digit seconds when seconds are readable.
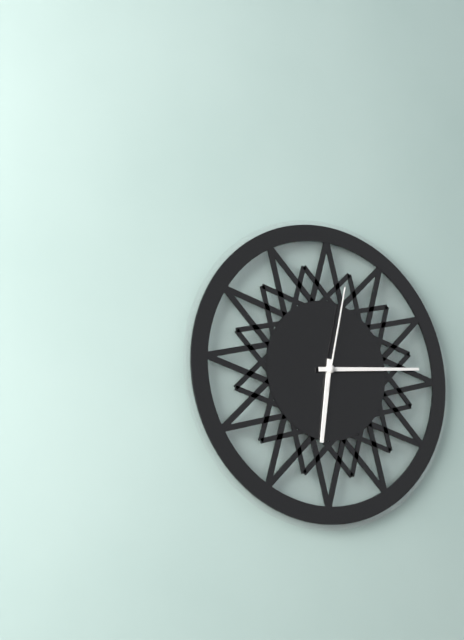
6,14,02
